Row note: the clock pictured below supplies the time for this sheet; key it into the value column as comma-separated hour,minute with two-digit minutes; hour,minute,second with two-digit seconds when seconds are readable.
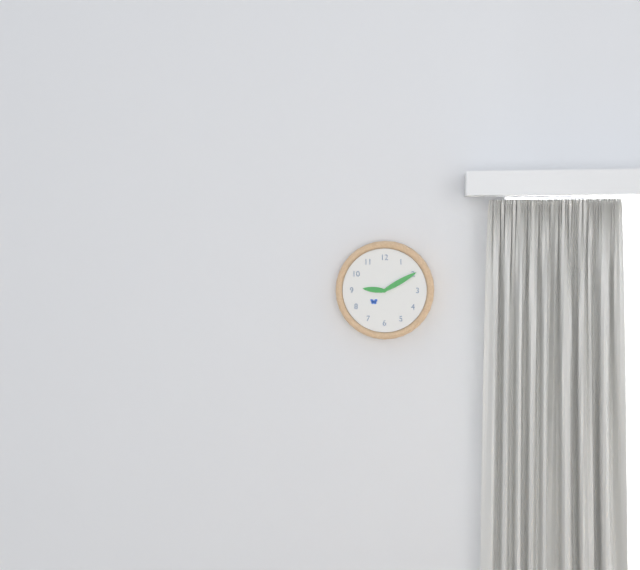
9,10
